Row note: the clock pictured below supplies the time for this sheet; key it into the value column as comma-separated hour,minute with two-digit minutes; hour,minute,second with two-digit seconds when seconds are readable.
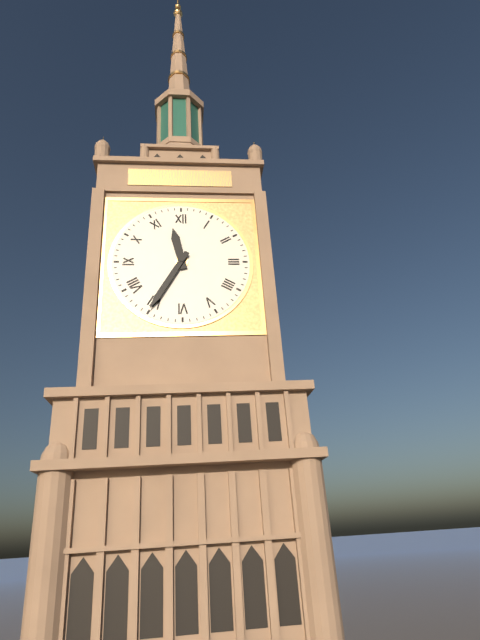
11,35
